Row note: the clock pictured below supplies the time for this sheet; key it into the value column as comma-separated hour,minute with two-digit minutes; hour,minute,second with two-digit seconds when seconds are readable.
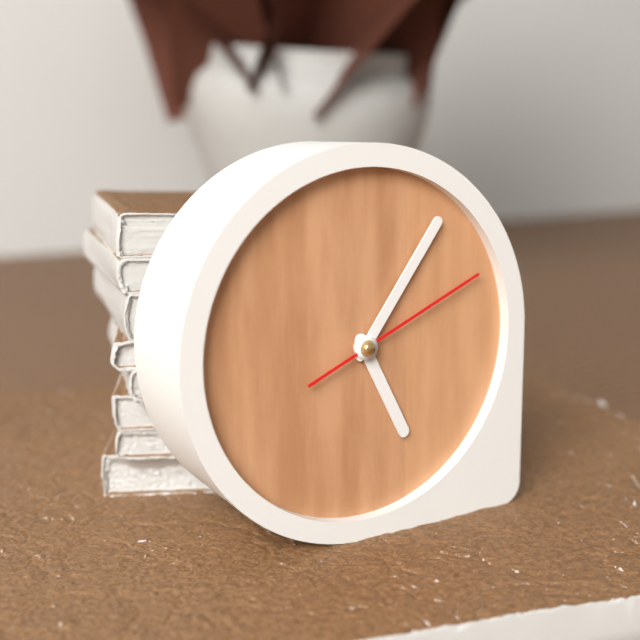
5,06,11
